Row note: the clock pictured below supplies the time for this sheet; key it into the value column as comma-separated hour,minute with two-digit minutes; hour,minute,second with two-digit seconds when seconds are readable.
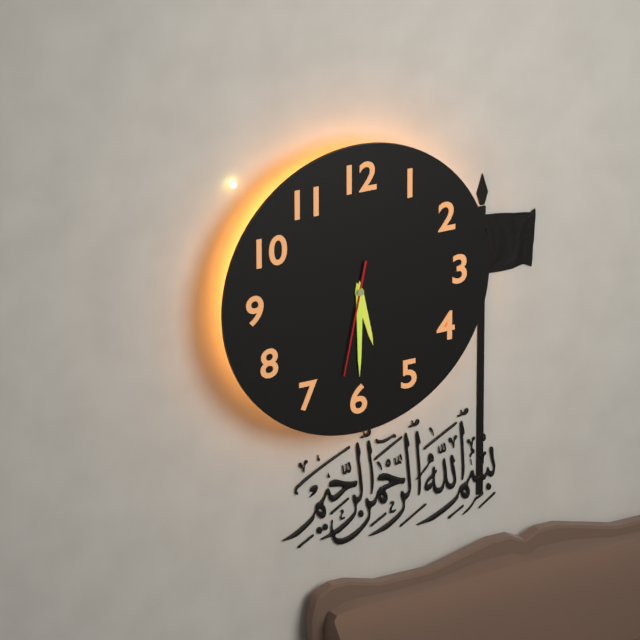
5,30,32
